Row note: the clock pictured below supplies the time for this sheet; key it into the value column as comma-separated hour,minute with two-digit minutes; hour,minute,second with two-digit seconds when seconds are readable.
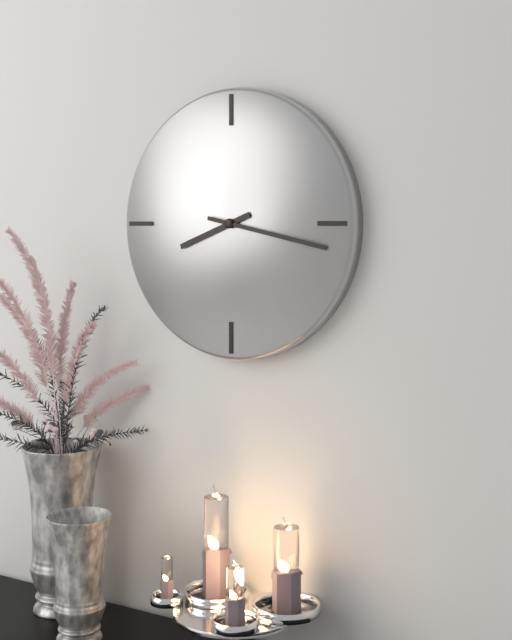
8,17
